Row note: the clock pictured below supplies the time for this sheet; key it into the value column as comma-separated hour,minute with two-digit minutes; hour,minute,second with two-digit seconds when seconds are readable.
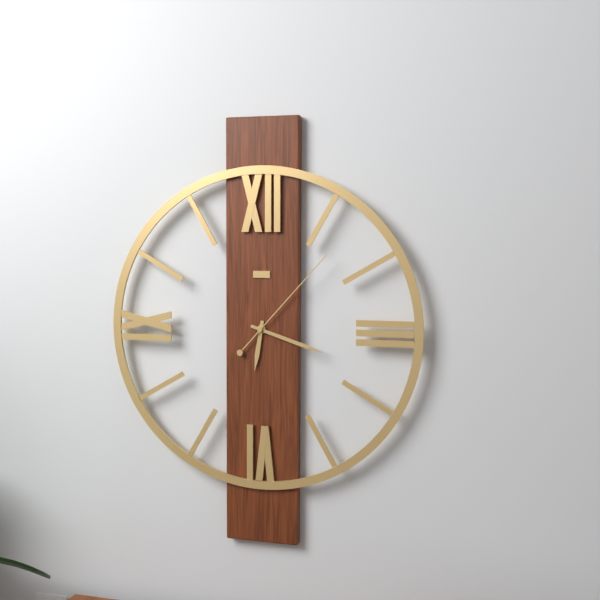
6,18,07
